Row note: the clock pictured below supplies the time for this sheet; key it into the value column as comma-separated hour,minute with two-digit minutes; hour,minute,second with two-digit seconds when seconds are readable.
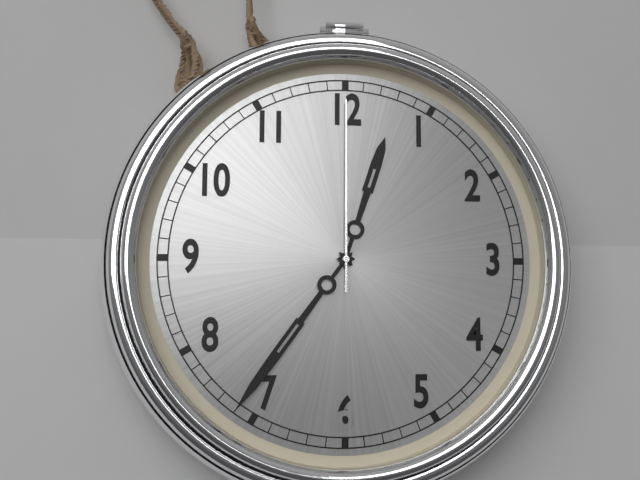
12,36,00
